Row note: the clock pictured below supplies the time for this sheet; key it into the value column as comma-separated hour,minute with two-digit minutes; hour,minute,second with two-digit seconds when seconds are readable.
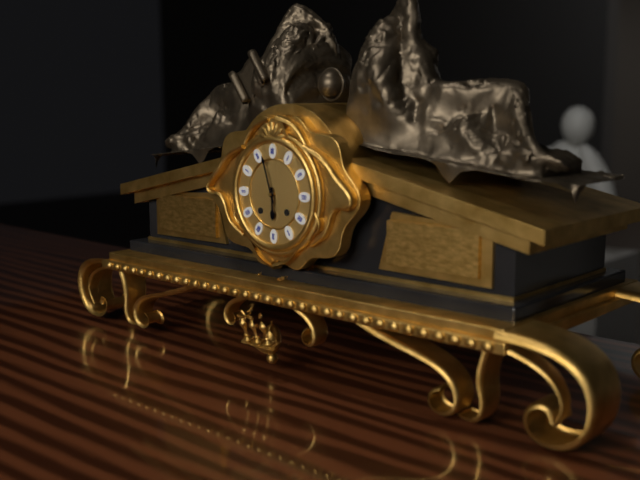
5,57
